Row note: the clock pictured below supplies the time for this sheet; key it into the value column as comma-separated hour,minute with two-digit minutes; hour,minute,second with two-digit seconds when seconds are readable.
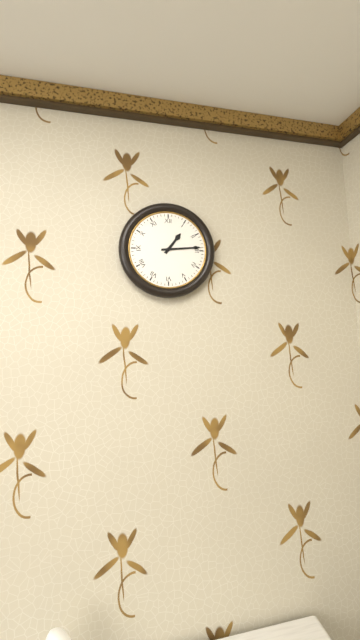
1,14
